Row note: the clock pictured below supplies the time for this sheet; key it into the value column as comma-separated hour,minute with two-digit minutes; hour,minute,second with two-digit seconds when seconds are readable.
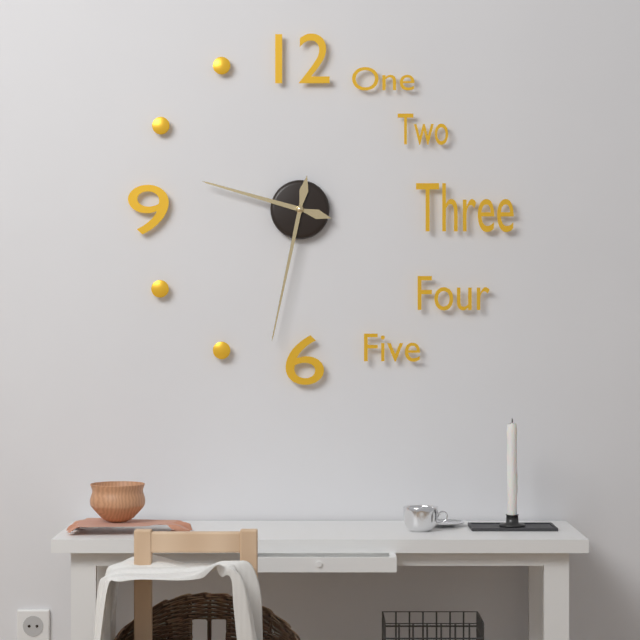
9,32
